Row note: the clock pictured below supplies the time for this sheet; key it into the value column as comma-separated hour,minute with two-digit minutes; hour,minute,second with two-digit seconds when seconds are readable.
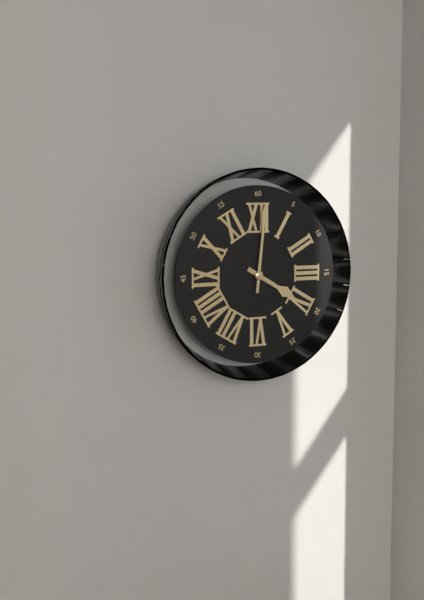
4,01
